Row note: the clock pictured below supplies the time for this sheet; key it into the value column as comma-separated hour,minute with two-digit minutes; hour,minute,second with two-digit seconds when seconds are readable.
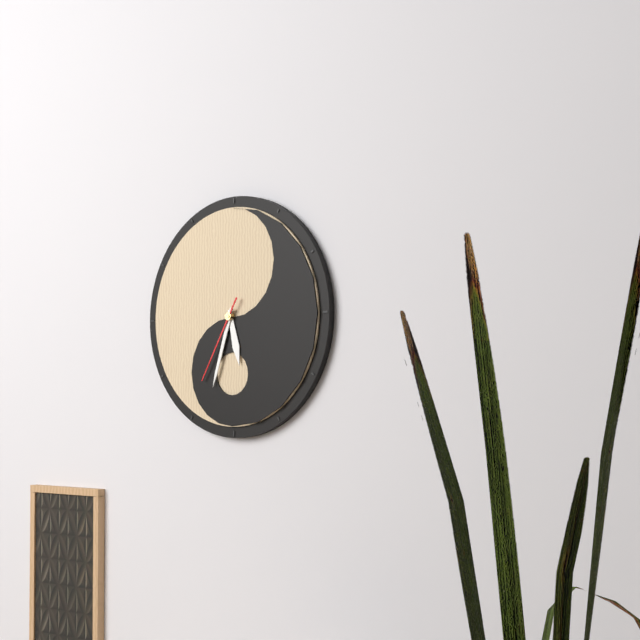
5,33,35
